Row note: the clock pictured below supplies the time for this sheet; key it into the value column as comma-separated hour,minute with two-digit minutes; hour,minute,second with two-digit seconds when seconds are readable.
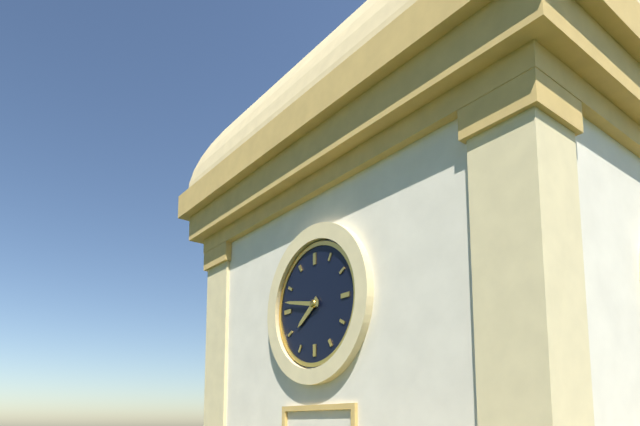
7,47
